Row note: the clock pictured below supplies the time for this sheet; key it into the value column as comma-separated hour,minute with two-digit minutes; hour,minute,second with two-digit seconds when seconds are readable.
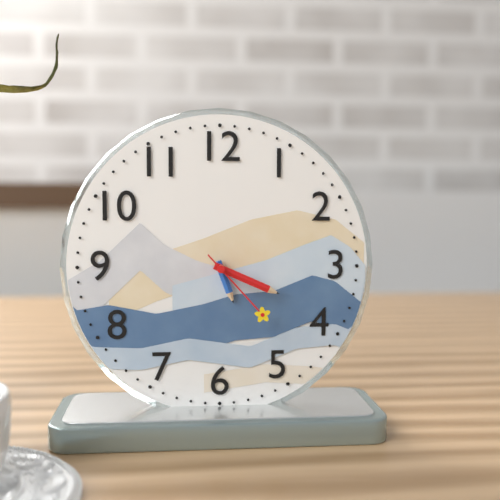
5,19,23
